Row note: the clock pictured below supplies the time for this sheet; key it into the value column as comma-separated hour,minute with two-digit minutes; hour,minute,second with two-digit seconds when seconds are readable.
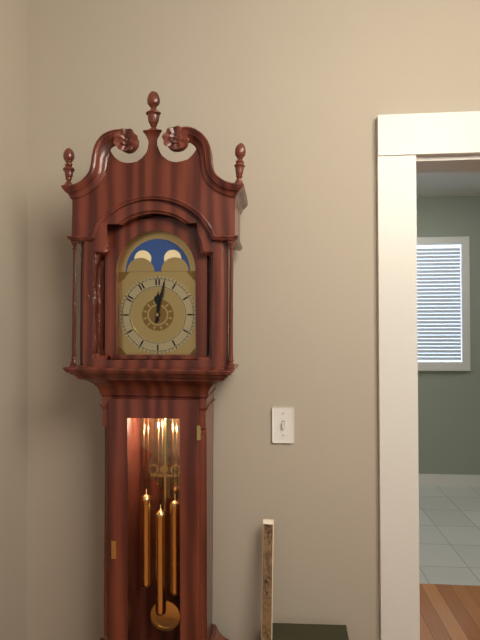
12,02
